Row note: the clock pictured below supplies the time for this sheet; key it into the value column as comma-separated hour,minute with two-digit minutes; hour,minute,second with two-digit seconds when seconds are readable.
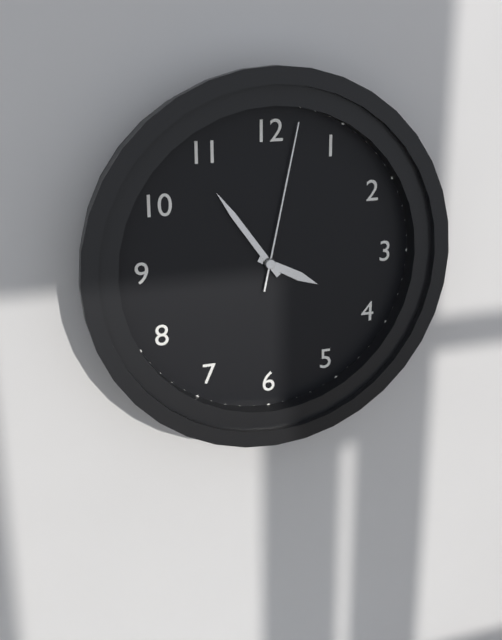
3,54,02
